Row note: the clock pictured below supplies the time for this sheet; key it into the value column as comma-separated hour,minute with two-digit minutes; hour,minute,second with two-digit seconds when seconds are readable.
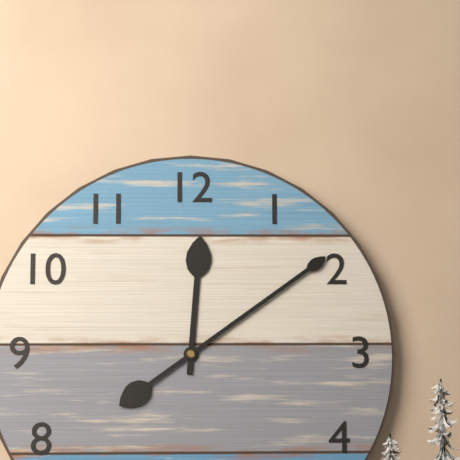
12,09
